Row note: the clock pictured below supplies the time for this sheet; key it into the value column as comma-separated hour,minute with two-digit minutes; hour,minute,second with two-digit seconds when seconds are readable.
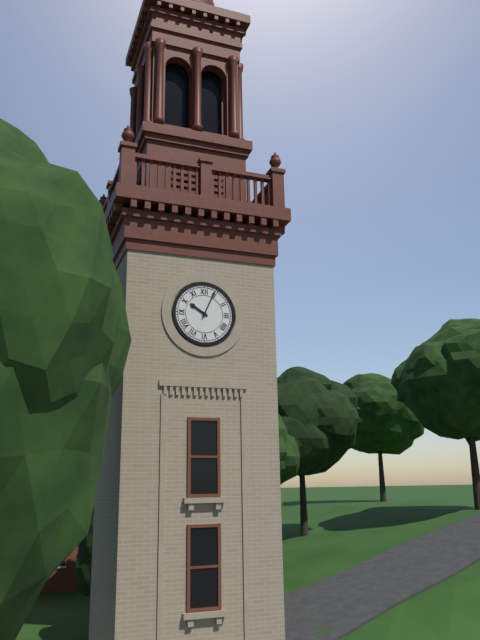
10,04
